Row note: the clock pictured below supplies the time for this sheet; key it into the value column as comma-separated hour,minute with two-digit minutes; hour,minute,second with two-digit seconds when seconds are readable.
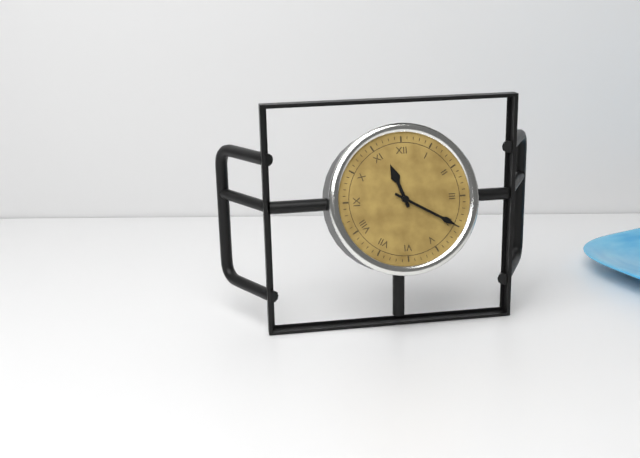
11,20
